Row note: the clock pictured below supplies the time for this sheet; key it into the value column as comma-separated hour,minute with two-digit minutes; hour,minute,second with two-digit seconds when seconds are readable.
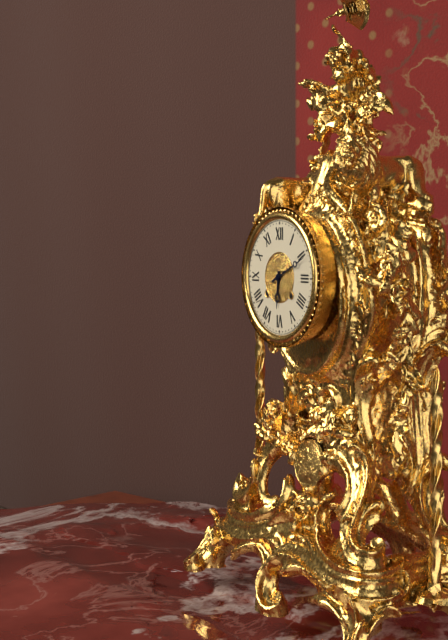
6,11
